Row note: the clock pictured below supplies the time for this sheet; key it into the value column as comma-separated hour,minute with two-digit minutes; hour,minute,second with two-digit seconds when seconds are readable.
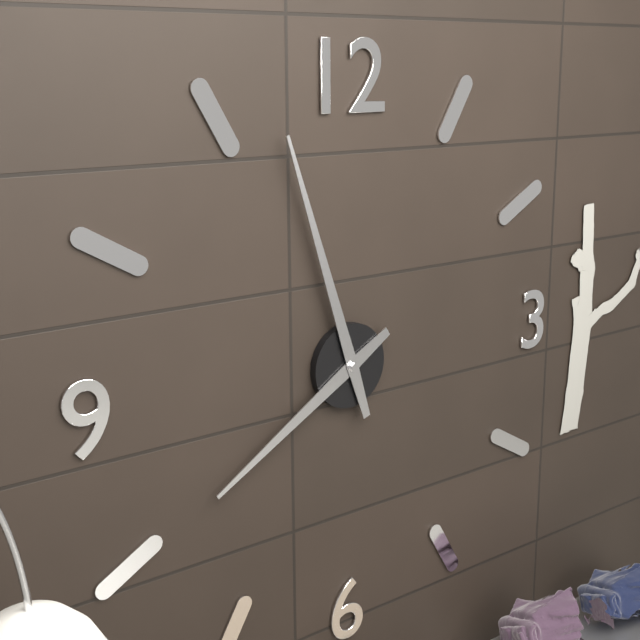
7,57
